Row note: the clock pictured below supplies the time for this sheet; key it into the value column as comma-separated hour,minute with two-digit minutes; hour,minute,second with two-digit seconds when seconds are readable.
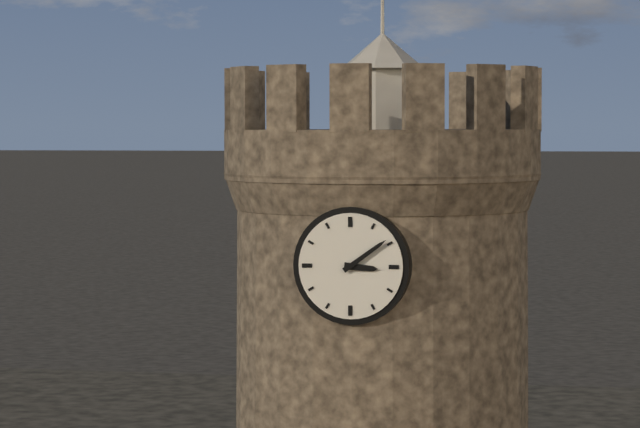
3,09
